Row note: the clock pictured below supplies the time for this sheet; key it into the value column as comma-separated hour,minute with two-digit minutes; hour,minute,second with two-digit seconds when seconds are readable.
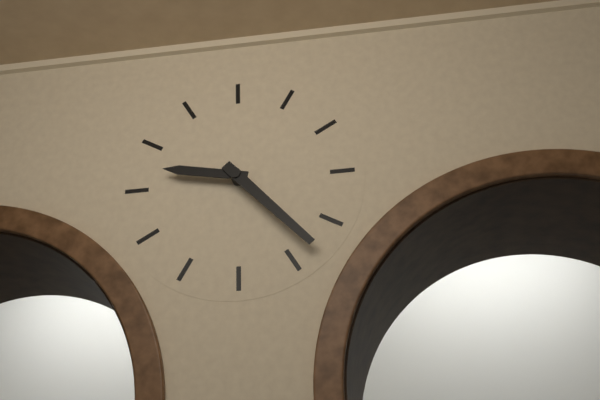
9,23
